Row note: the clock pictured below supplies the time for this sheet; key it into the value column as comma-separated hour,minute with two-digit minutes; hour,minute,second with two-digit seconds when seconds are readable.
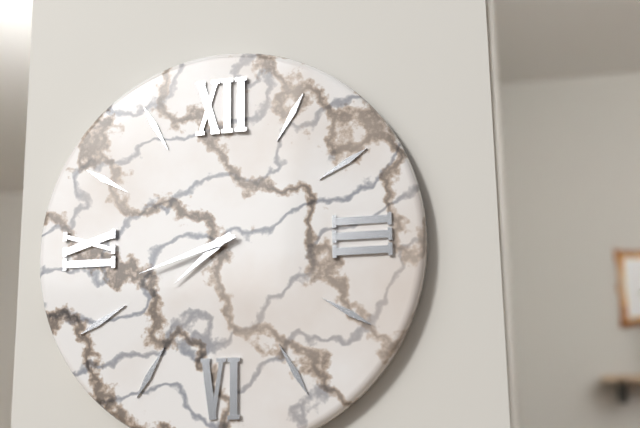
7,42
